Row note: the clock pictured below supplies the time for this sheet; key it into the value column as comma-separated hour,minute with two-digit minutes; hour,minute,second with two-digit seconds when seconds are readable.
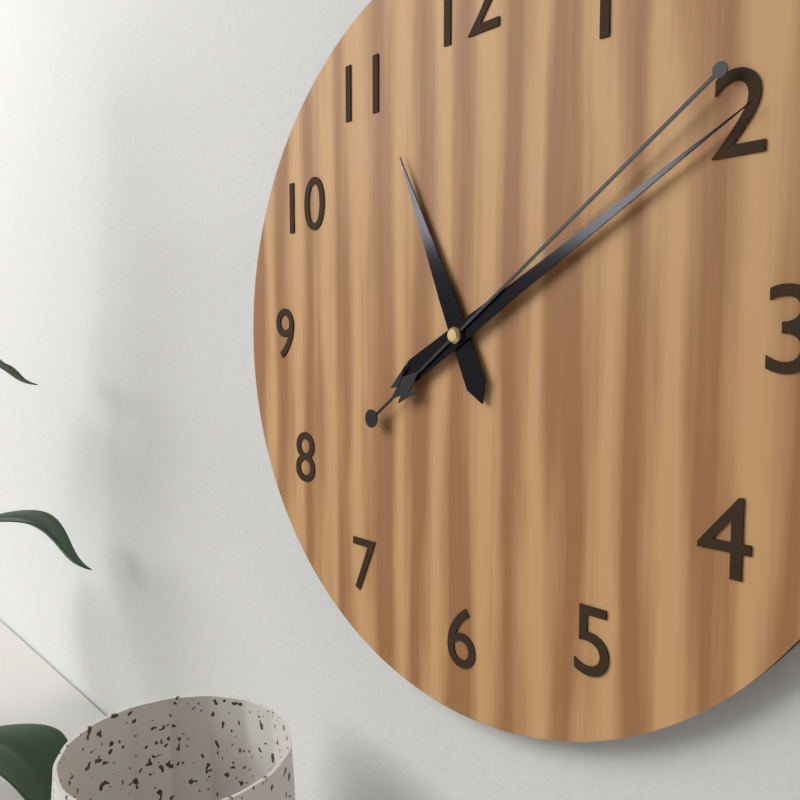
11,10,09
